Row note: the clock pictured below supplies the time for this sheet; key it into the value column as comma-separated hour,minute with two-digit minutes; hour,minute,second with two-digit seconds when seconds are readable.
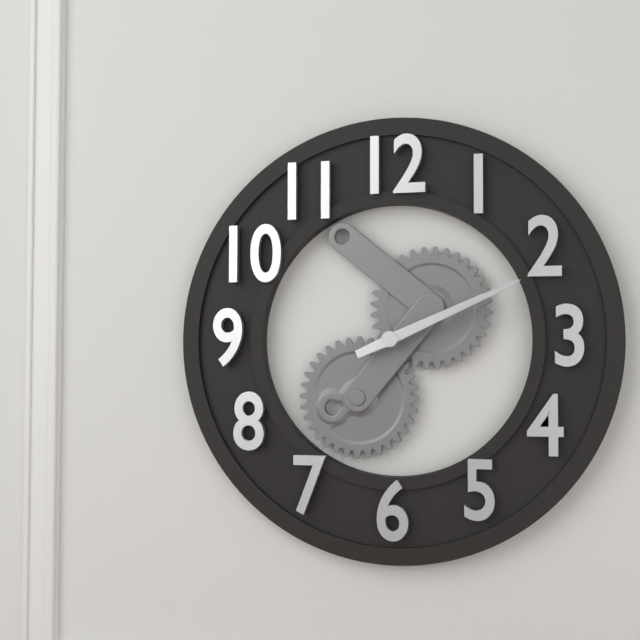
2,11
